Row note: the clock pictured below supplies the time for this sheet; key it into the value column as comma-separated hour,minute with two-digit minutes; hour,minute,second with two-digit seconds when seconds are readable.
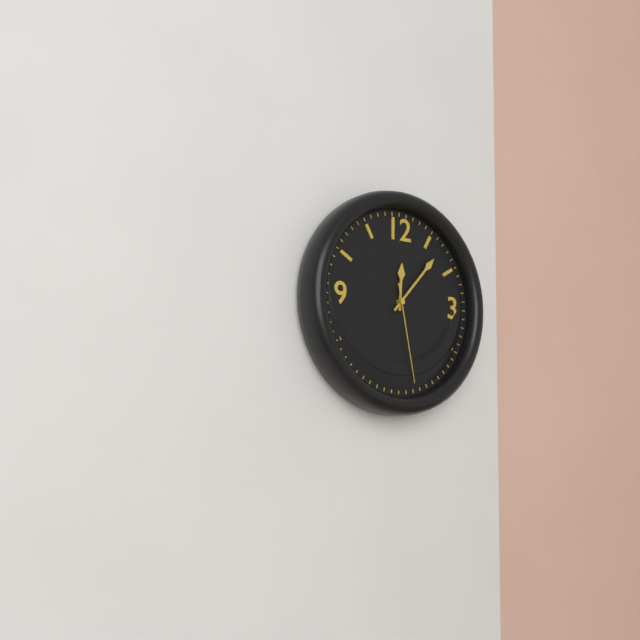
12,07,28
